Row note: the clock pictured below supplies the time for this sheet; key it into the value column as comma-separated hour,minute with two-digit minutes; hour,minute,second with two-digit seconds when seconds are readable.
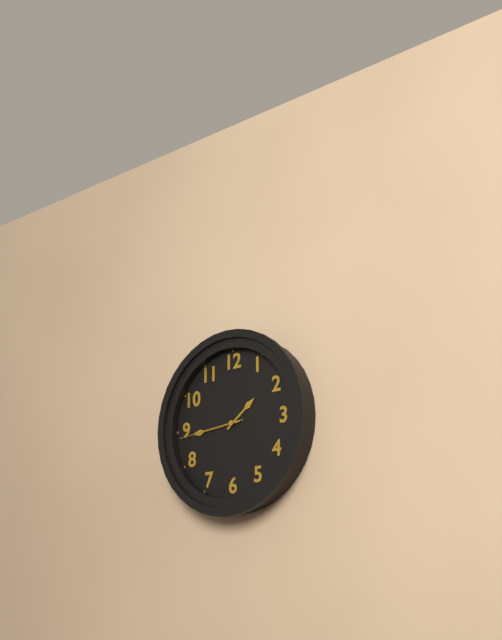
1,44,44
